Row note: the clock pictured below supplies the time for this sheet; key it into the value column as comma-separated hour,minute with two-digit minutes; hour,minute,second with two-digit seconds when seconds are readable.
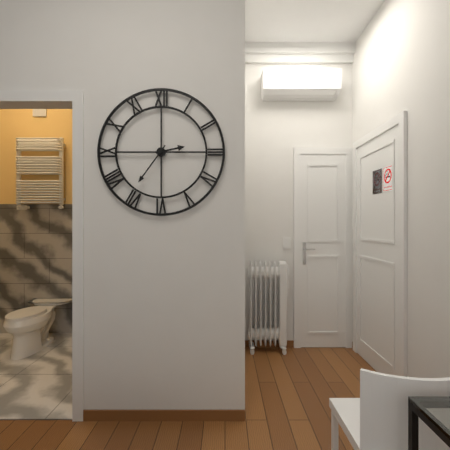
2,36
